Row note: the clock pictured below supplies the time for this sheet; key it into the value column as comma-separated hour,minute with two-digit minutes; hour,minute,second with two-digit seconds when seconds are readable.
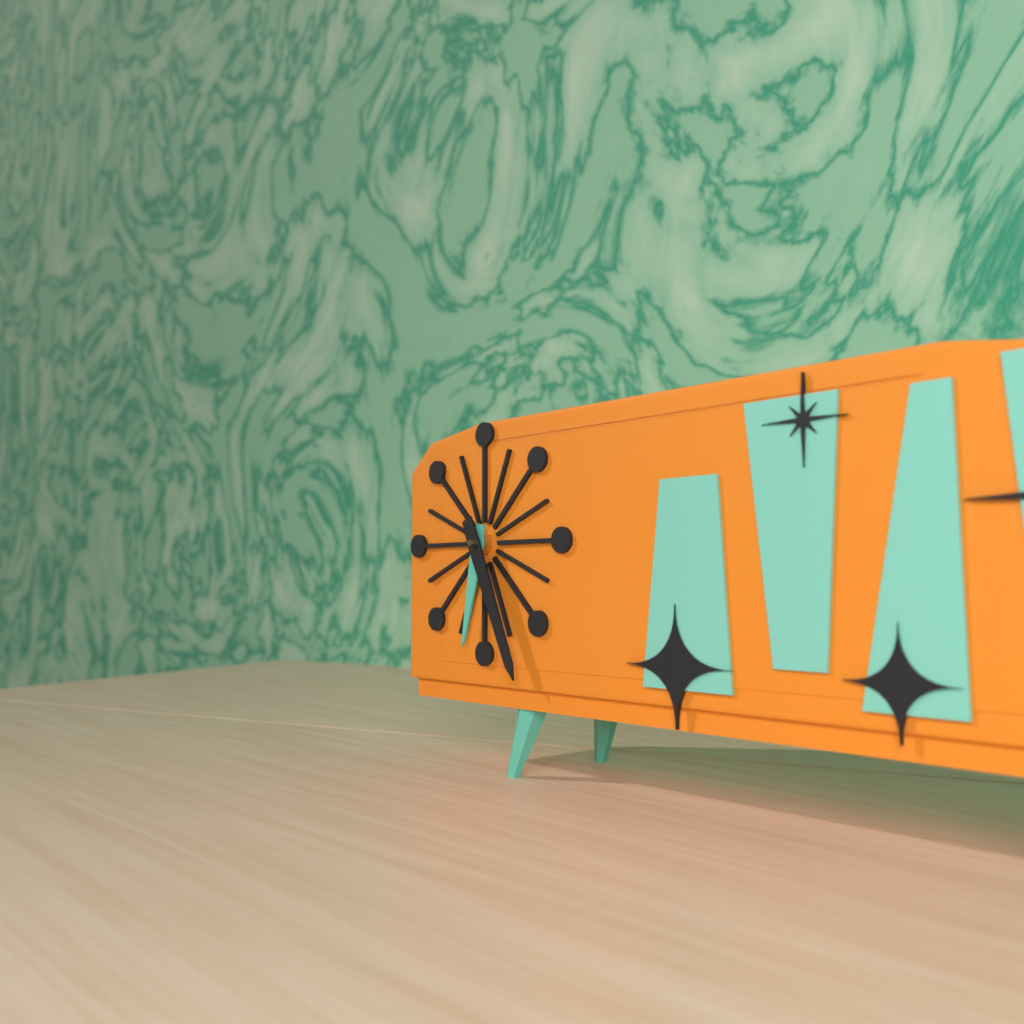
6,26
